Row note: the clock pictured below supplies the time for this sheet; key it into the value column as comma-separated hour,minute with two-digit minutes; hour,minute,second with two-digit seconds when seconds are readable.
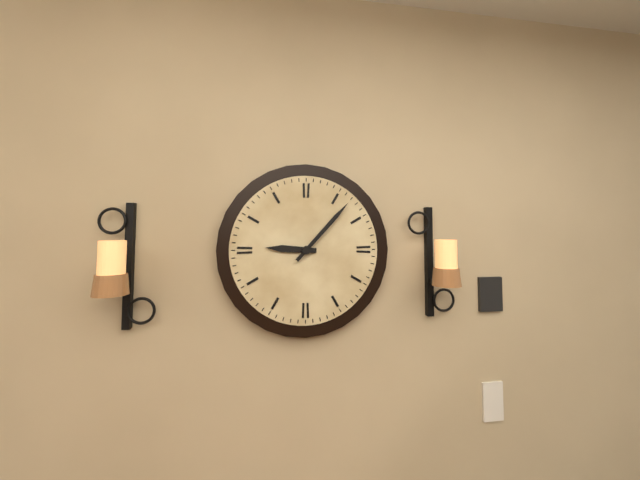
9,07
